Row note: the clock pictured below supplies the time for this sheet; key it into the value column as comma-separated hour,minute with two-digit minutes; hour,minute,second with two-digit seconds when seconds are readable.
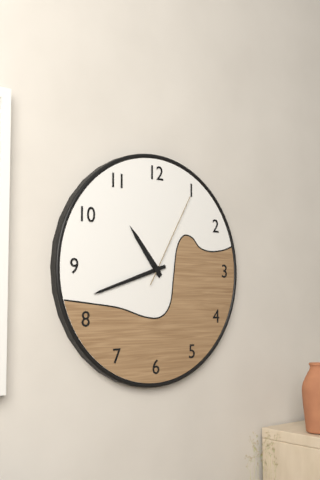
10,42,05
